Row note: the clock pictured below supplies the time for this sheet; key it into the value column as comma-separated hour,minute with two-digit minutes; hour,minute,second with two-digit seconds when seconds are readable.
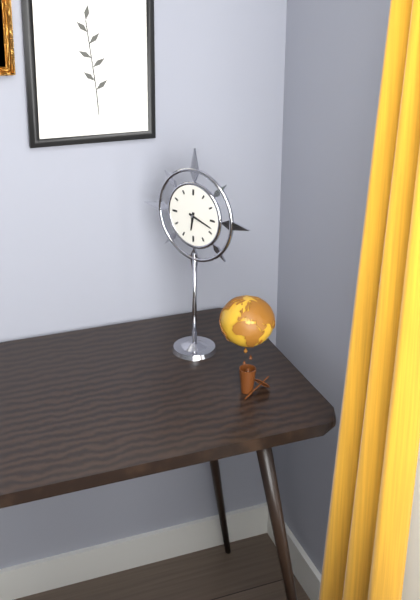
6,18
